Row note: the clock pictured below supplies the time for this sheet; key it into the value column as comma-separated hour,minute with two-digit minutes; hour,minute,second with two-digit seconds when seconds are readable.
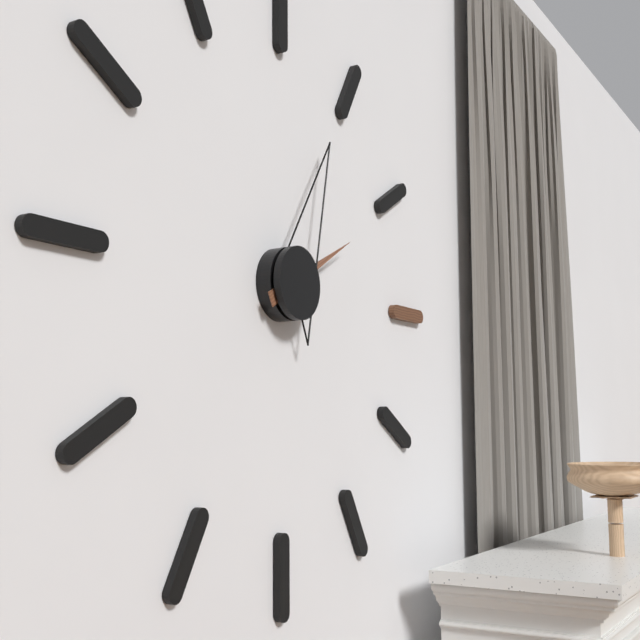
2,04
